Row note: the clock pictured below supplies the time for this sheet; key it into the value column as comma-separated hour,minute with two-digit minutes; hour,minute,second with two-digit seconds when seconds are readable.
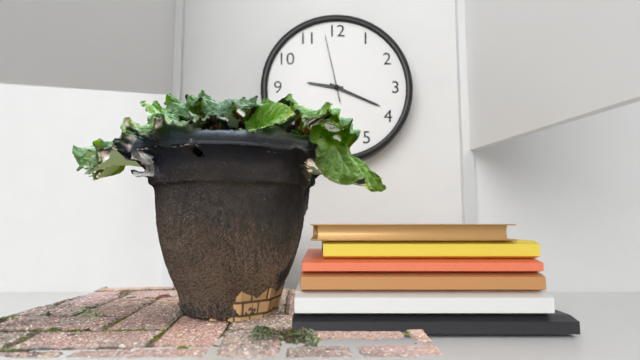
9,19,58
